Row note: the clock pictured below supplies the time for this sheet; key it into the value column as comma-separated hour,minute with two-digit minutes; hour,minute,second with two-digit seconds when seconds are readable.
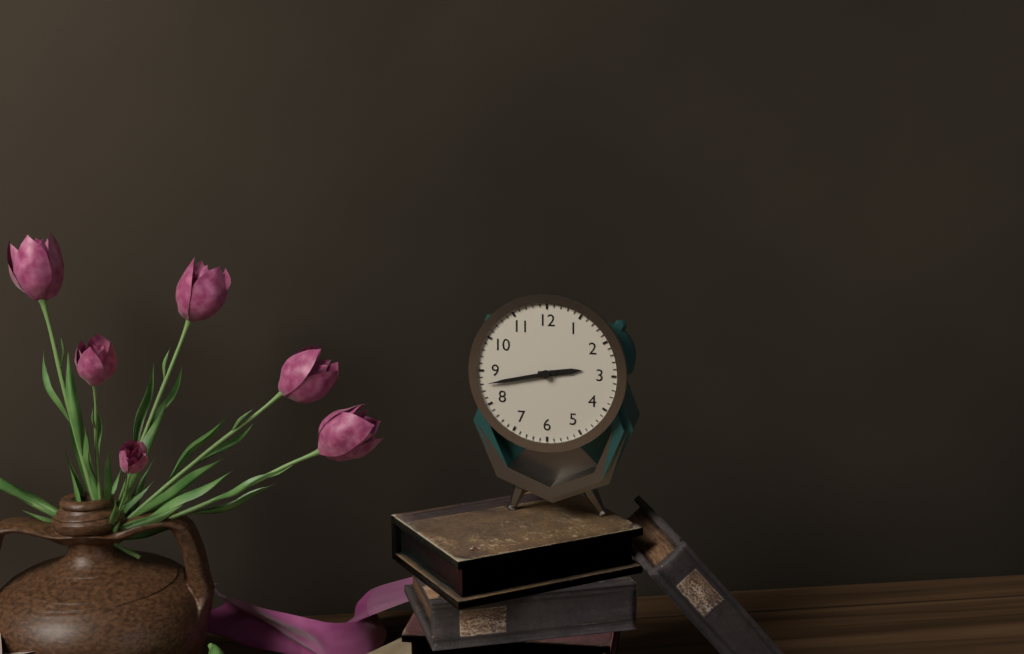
2,43
